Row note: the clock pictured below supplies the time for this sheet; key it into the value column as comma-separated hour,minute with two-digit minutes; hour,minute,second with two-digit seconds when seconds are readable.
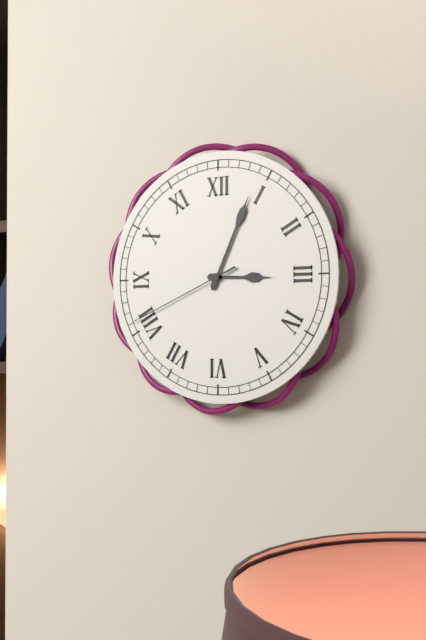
3,04,41
